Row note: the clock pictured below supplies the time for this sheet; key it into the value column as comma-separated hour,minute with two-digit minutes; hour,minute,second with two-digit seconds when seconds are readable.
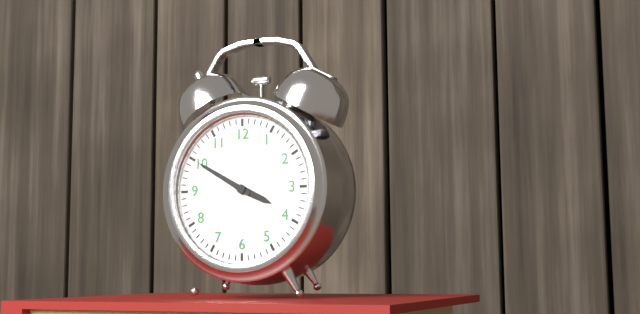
3,50
